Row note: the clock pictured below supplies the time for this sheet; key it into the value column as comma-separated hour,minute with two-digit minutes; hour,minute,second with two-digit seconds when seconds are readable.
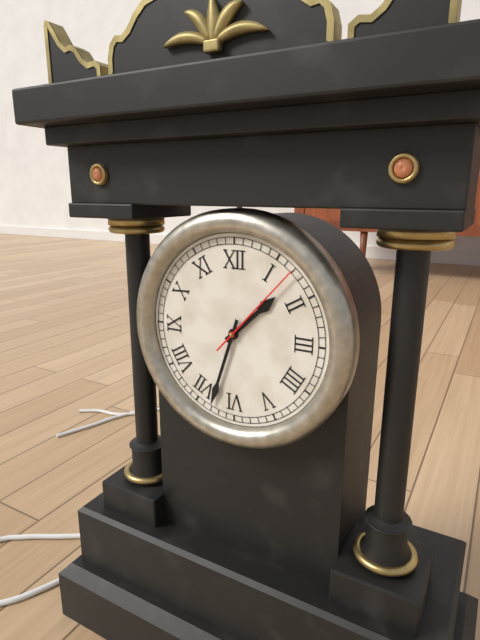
1,33,07
